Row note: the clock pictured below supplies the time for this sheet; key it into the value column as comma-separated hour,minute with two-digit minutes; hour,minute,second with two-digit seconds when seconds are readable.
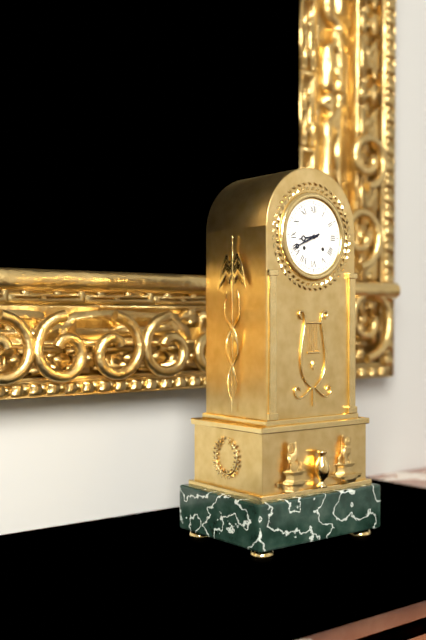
8,41
